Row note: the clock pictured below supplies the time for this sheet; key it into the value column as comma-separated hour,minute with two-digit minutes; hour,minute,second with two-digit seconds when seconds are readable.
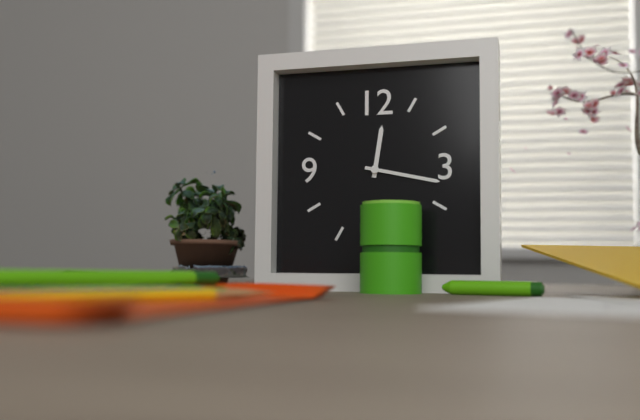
12,17
